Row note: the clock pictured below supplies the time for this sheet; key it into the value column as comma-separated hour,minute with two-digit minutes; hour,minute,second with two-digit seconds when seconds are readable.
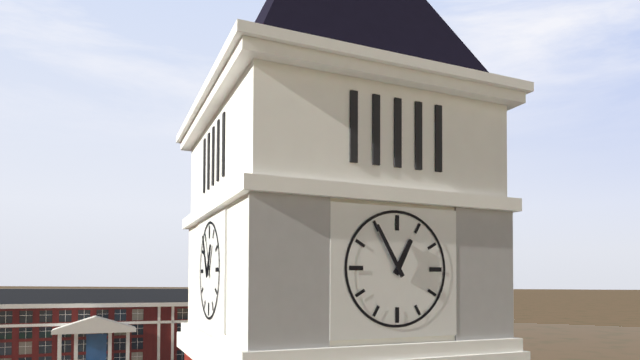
12,55
